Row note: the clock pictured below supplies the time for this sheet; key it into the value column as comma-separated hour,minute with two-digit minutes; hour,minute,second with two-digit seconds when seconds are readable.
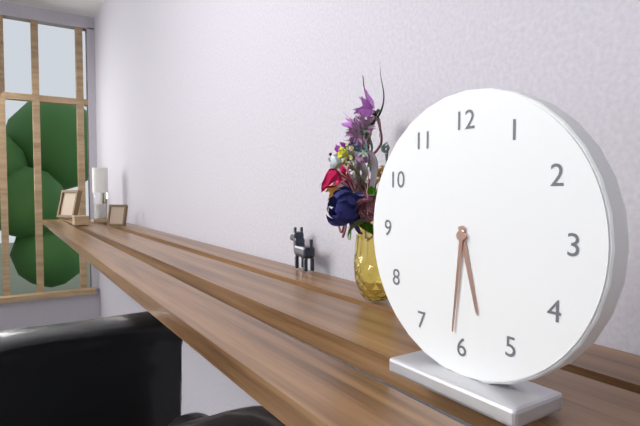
5,31
